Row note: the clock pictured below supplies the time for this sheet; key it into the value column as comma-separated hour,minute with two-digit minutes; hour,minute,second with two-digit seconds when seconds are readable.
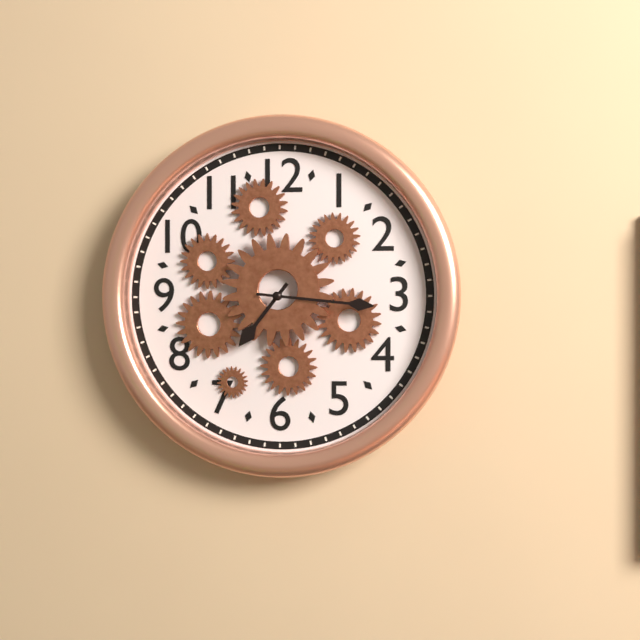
7,16
